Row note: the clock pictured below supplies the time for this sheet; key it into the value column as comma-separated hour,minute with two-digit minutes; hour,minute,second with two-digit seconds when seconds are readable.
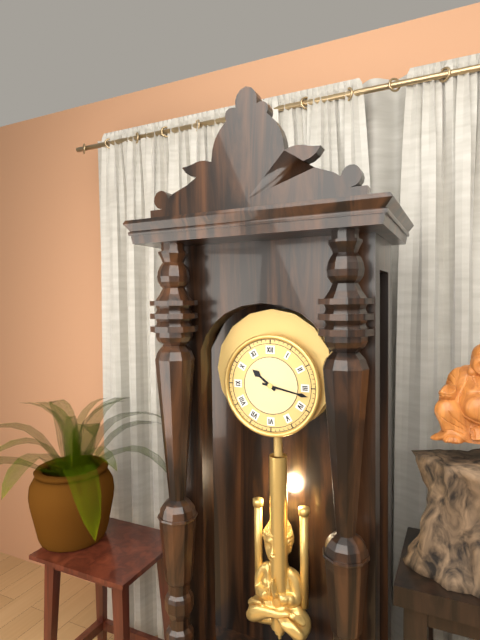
10,17
